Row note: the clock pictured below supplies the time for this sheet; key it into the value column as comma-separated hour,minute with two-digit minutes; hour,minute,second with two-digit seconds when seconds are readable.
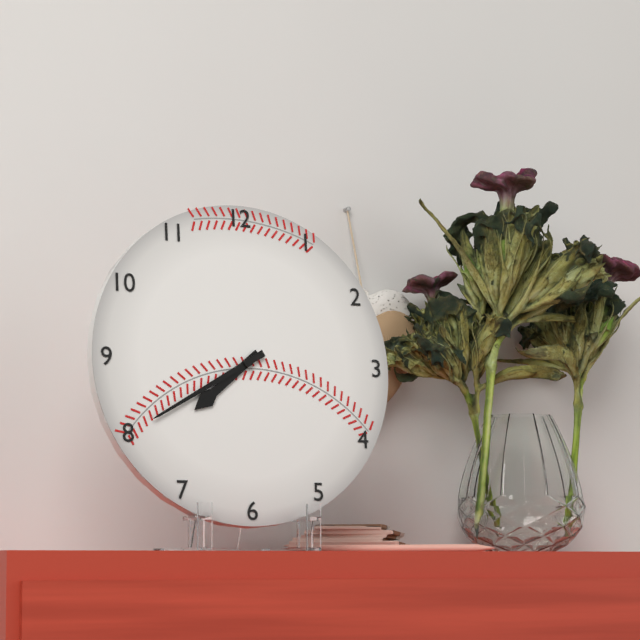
7,40
